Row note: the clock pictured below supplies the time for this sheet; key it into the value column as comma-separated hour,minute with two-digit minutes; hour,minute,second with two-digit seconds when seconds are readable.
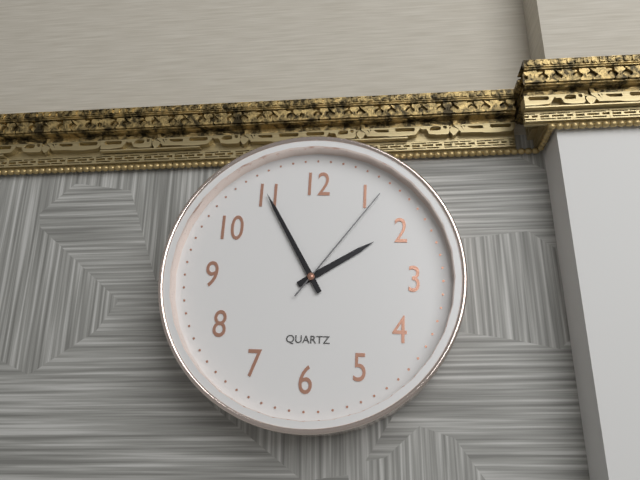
1,55,06
